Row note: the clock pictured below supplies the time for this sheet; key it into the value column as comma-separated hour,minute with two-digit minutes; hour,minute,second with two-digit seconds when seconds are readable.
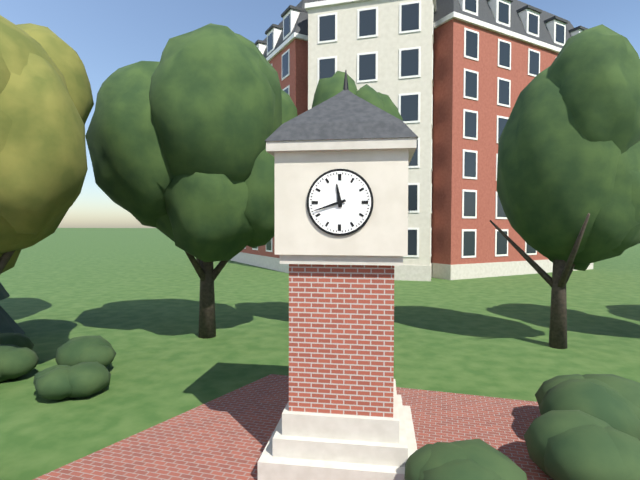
11,42
